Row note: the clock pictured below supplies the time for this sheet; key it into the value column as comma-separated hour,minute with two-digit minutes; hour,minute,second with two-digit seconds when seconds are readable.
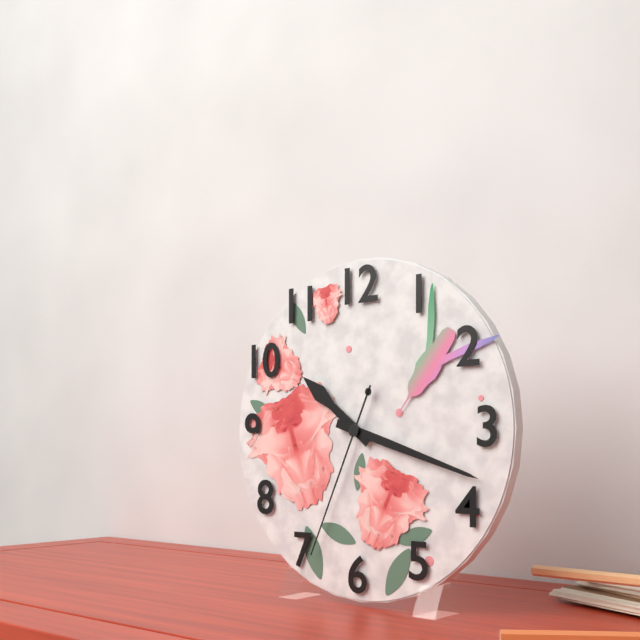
10,18,34
